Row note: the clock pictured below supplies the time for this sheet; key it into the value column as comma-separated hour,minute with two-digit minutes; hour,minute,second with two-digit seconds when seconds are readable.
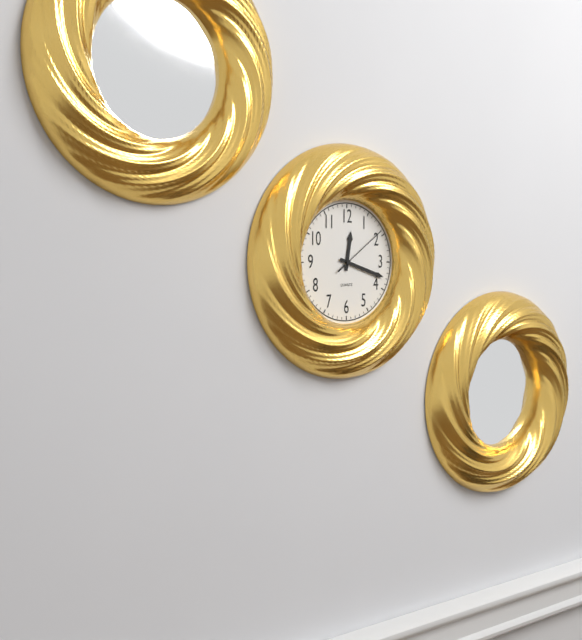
12,18,09
